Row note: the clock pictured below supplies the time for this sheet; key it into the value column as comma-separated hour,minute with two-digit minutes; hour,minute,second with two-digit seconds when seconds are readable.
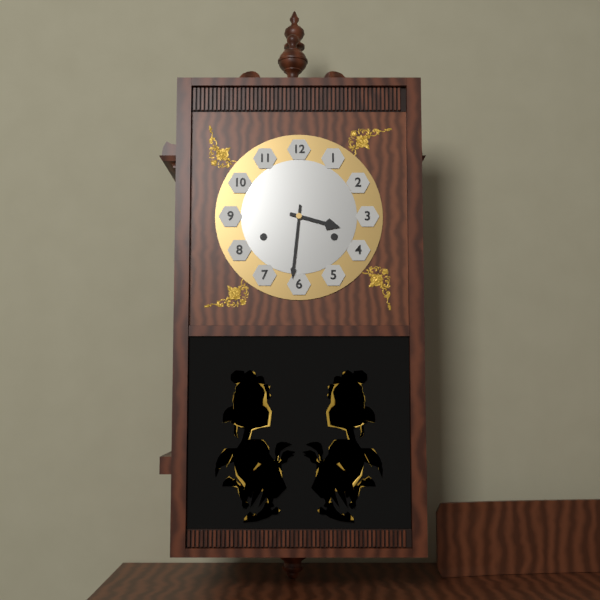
3,31
